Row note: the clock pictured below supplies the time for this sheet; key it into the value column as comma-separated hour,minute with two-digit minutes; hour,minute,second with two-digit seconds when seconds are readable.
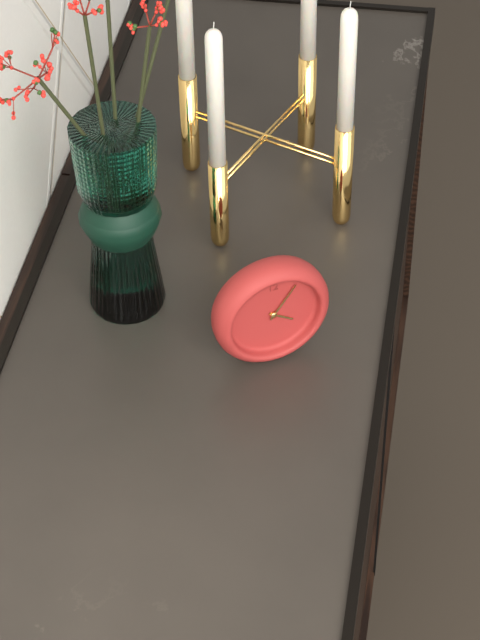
4,06
